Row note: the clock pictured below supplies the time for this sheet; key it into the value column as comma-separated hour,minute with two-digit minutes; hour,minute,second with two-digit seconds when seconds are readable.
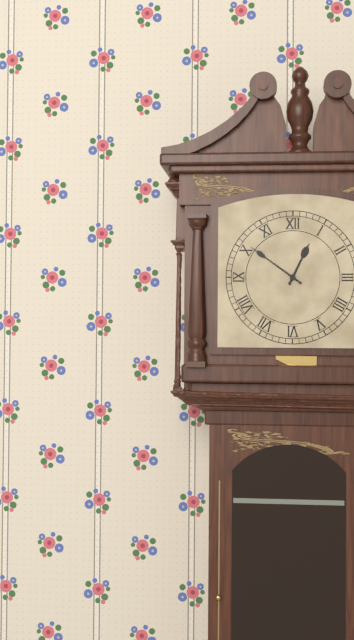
12,51
